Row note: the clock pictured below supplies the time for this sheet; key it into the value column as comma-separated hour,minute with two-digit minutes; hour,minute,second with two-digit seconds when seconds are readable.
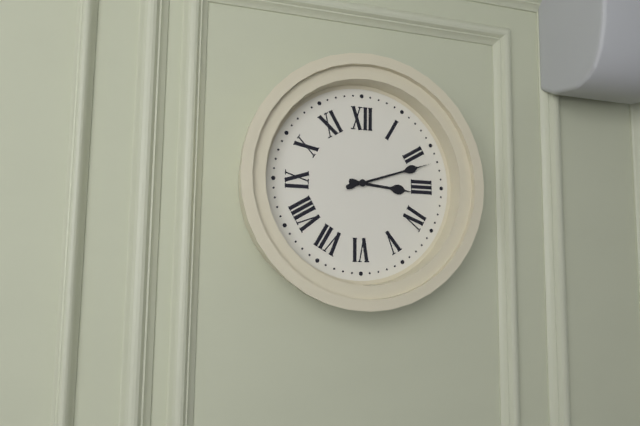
3,12
